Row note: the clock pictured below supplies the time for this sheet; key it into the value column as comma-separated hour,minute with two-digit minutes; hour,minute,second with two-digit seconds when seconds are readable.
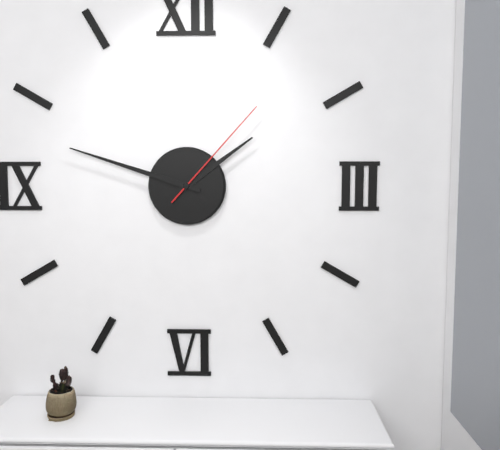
1,48,07
